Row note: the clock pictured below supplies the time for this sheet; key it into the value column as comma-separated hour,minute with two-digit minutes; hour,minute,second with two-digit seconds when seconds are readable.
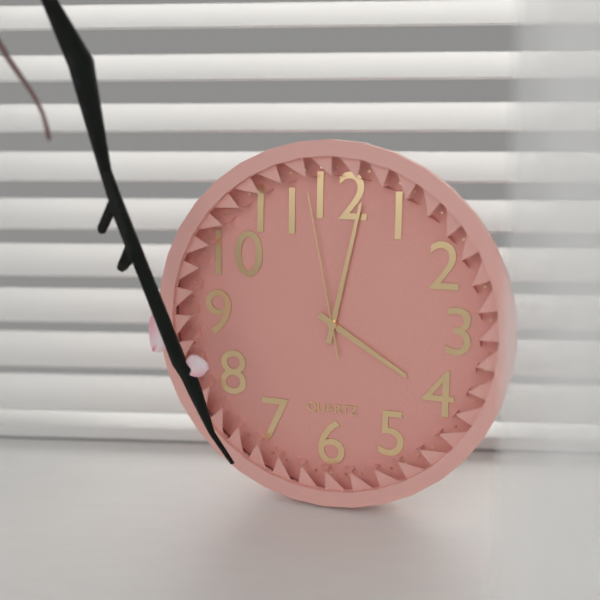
4,02,58
